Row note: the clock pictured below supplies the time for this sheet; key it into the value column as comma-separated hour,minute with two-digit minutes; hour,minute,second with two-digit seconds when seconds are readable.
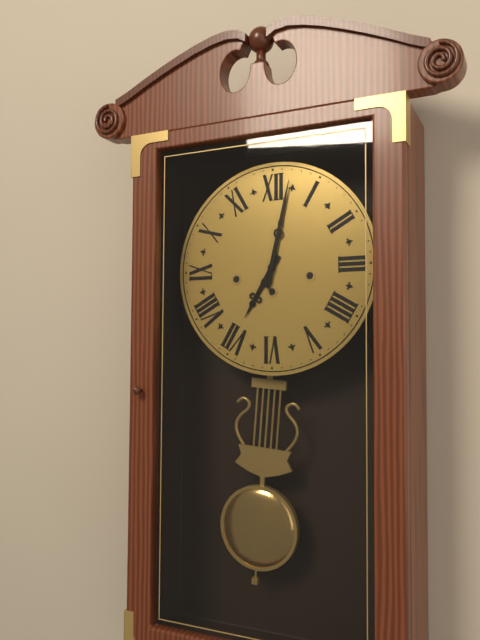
7,02
